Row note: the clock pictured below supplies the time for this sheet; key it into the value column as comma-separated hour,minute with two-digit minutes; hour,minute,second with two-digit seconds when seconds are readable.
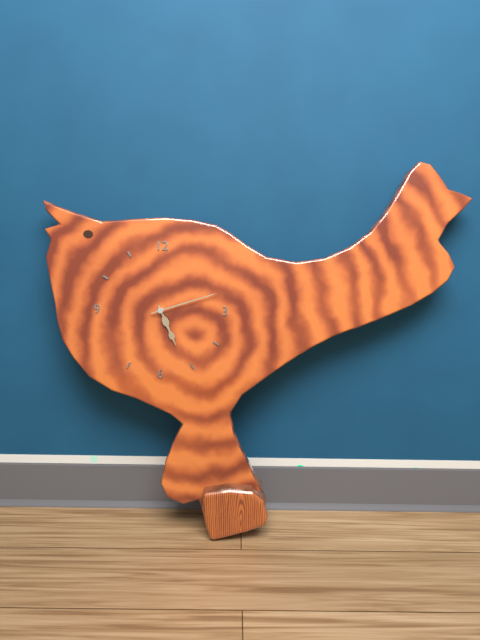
5,12
